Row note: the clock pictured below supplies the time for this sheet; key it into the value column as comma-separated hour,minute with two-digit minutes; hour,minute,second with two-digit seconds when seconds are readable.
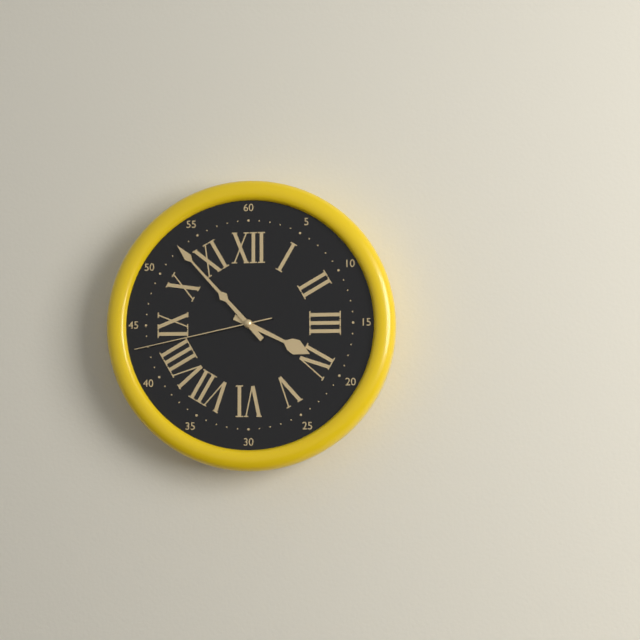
3,53,43
